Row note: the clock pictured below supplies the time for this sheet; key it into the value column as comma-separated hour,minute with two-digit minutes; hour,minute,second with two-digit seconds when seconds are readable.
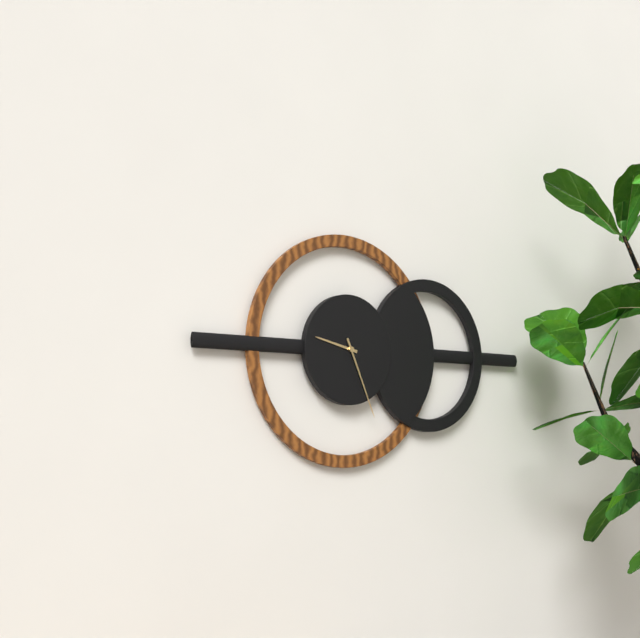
9,26
